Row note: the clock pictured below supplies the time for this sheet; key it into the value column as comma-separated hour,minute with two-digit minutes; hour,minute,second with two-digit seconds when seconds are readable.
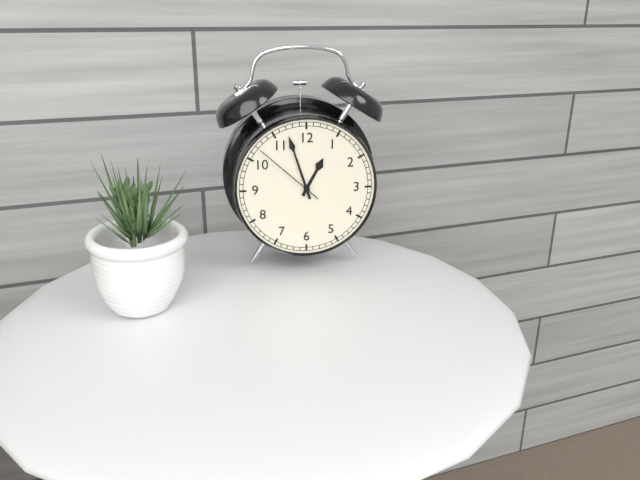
12,57,52
